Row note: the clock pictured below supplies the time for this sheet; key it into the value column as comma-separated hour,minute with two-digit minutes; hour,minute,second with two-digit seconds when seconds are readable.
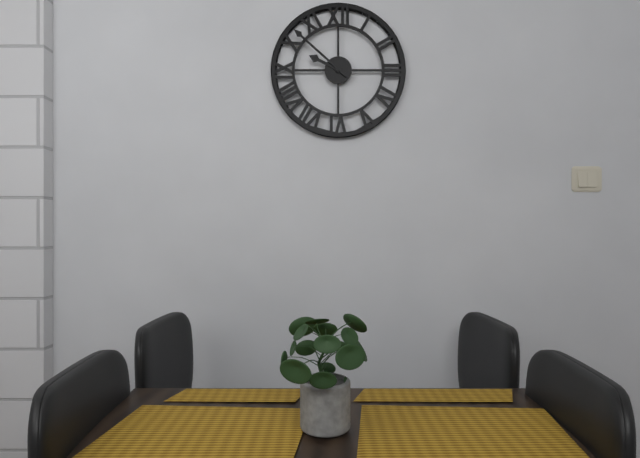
9,52
